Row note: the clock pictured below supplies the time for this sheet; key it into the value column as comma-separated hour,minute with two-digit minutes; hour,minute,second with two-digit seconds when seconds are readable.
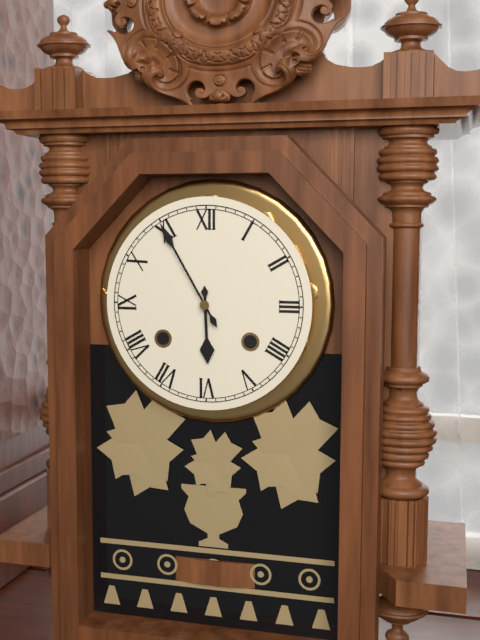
5,55
